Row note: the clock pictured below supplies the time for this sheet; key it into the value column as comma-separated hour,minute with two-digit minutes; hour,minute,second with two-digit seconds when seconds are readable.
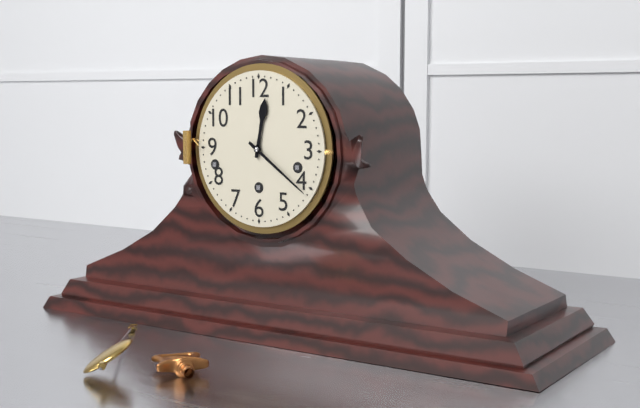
12,21
